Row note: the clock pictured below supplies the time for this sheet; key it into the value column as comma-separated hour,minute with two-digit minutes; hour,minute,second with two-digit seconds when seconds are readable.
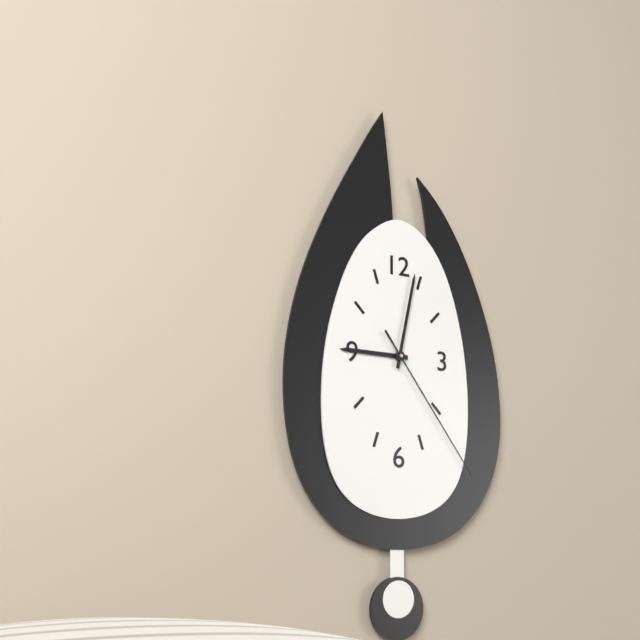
9,02,24
